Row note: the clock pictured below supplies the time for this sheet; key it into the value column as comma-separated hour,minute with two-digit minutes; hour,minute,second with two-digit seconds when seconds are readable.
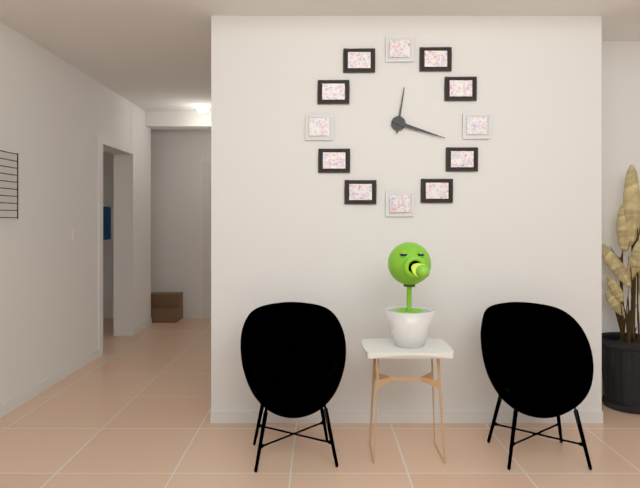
12,18
